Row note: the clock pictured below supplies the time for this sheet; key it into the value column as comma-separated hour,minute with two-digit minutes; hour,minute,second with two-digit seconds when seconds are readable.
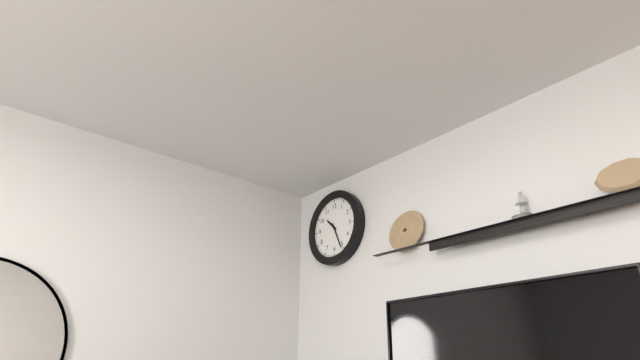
10,26
